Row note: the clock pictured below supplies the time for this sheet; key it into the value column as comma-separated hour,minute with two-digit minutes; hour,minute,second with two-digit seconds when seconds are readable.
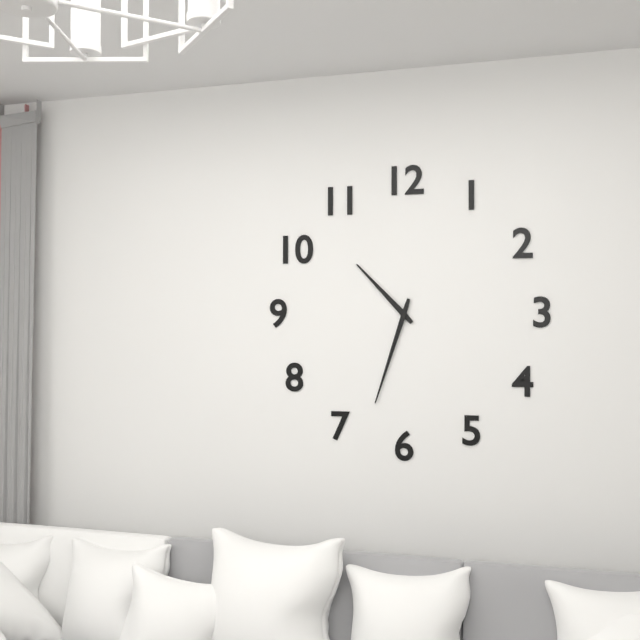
10,33
